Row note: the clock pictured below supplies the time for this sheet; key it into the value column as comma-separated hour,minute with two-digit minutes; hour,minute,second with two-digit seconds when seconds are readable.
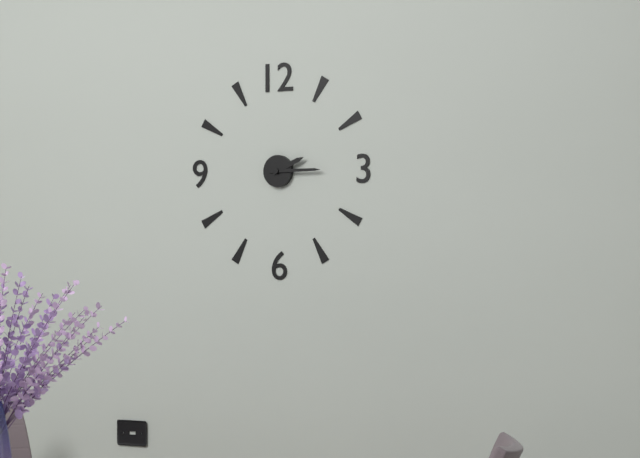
2,15
